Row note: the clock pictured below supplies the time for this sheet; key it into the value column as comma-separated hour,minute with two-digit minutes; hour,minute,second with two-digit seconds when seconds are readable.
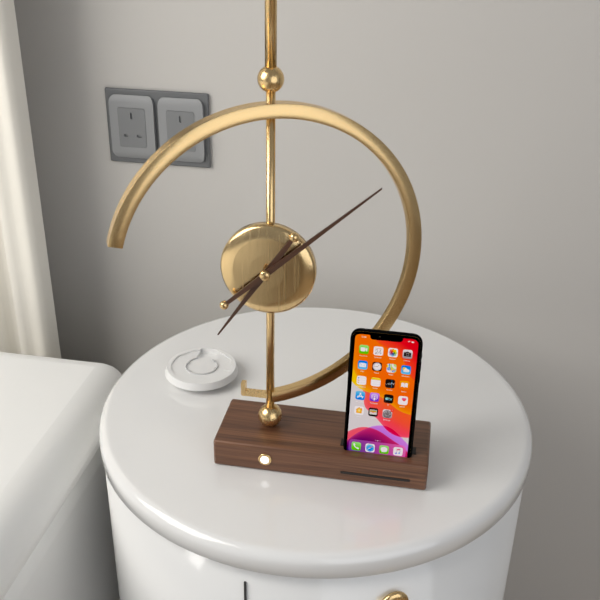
7,08
